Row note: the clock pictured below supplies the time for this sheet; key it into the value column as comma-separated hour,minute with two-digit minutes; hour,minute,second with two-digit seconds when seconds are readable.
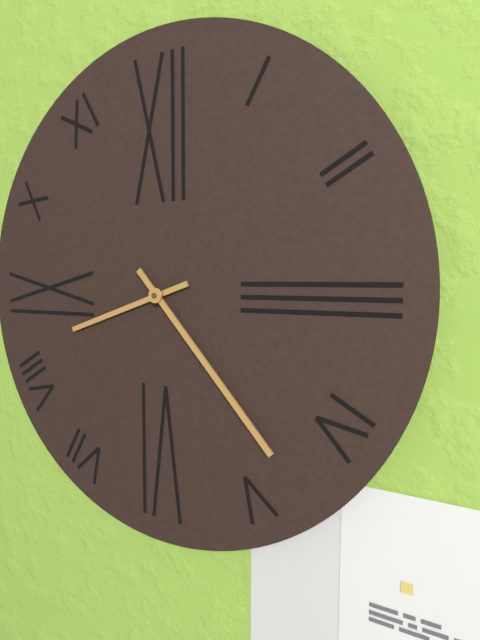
8,23
